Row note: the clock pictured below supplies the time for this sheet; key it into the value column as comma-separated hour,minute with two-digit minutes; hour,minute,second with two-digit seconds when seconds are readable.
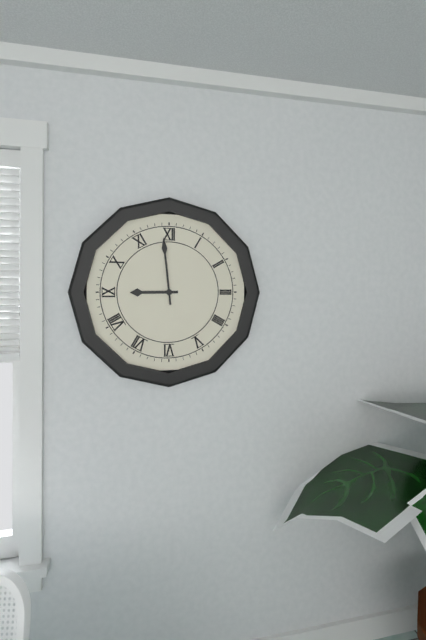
8,59
